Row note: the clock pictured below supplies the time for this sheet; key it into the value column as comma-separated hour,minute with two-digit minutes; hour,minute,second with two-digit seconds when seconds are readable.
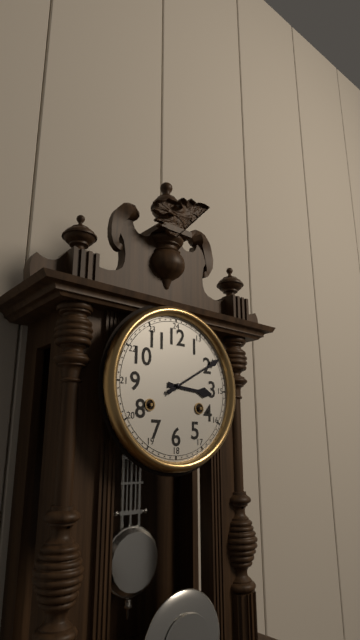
3,10
